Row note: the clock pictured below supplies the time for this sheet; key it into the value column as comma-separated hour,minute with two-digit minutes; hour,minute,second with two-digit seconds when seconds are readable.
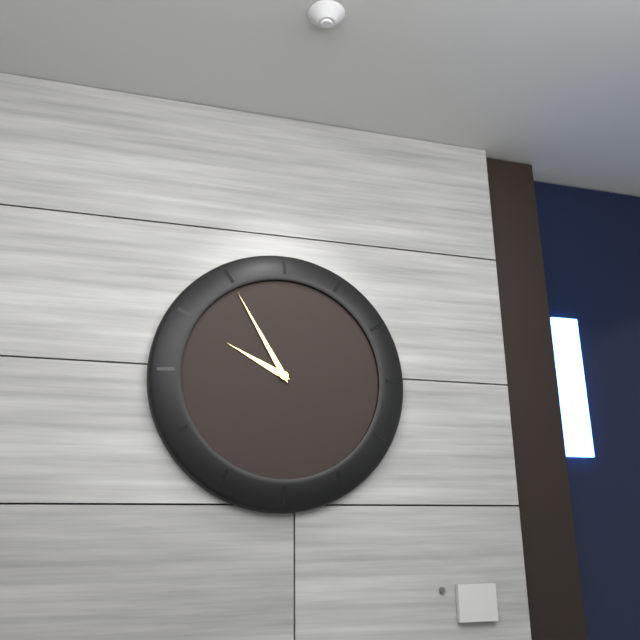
9,55
